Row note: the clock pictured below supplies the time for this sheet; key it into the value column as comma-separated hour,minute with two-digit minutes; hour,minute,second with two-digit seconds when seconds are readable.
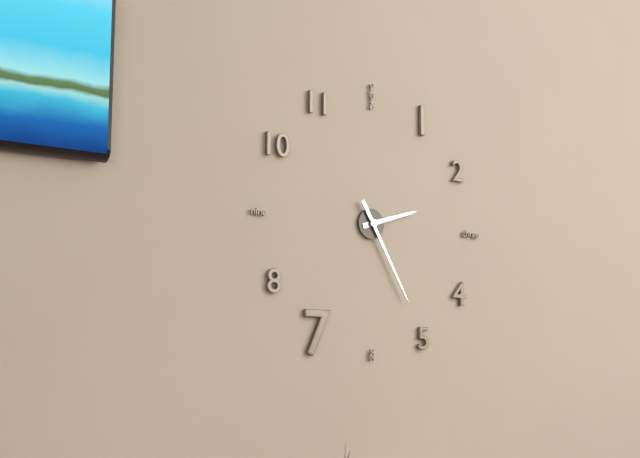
2,25
